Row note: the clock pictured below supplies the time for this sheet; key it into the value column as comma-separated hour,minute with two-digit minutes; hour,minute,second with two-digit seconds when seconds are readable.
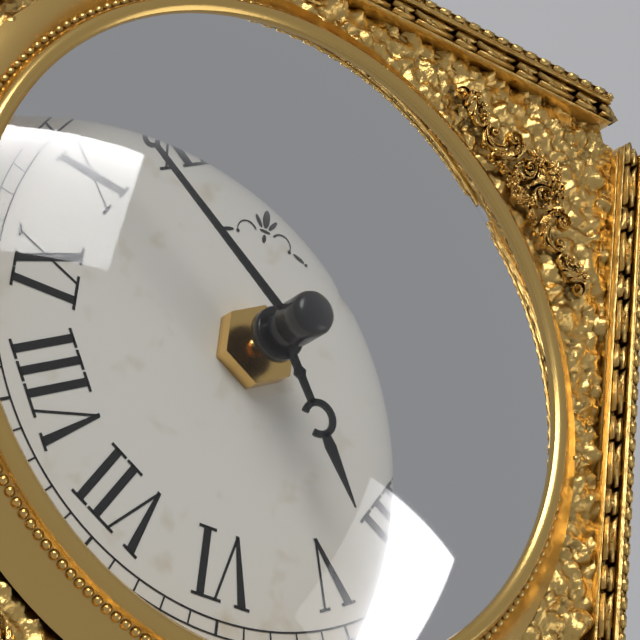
4,51
